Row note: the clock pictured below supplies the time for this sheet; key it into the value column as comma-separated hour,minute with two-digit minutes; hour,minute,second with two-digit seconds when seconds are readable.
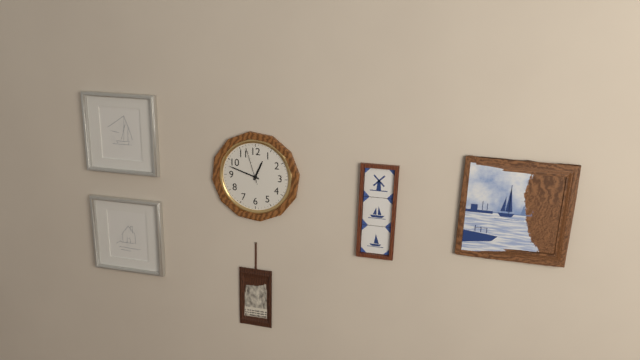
12,48
